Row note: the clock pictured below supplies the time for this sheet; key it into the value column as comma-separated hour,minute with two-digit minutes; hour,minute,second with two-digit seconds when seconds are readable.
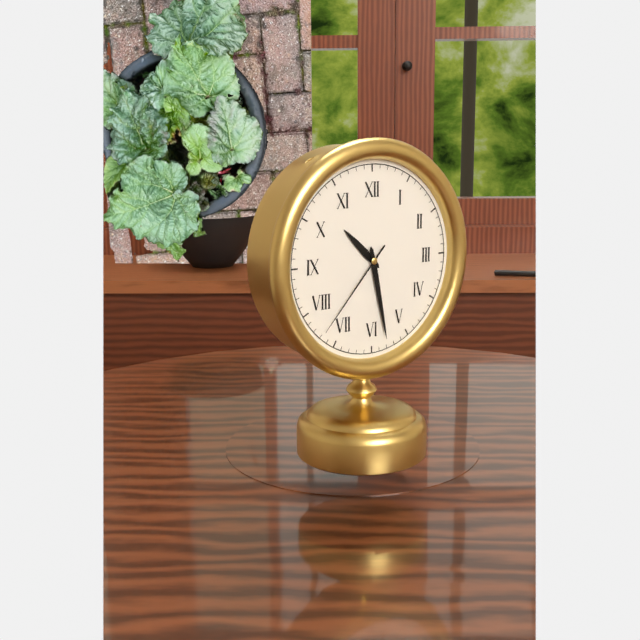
10,28,37
